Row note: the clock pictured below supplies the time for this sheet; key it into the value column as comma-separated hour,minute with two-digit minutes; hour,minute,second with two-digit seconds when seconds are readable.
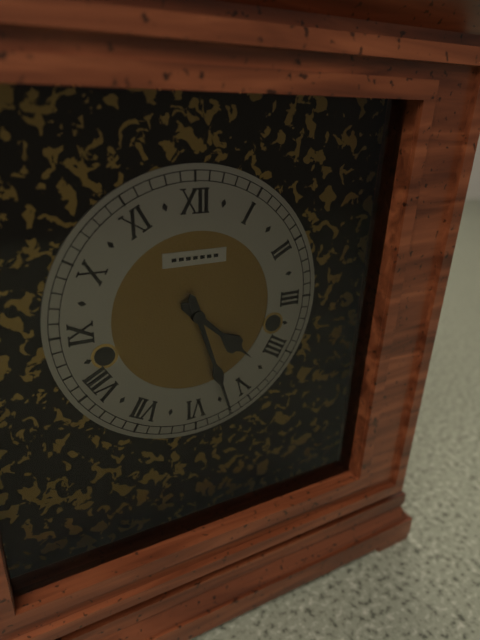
4,27
